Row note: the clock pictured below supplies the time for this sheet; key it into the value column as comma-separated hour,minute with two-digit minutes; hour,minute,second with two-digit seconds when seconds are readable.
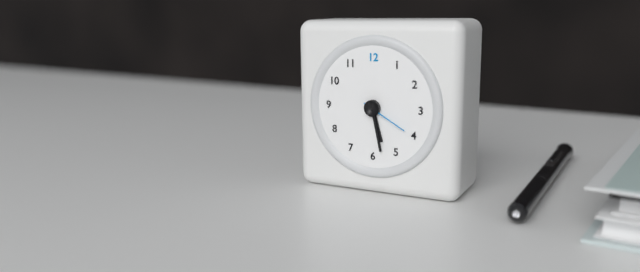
5,28
